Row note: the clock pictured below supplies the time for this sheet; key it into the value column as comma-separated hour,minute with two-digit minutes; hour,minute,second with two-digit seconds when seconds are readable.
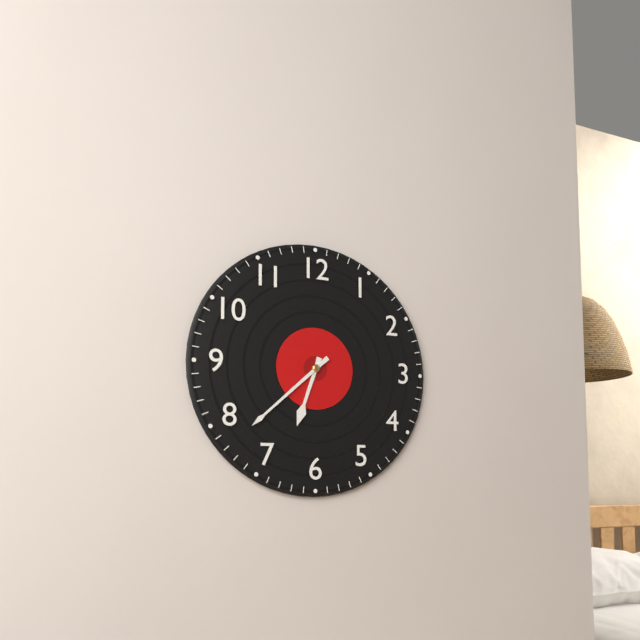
6,38
